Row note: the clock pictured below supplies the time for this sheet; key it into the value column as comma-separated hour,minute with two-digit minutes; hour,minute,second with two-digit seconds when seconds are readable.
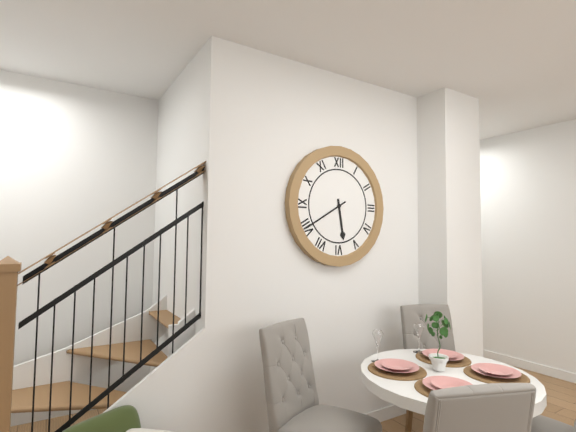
5,40
